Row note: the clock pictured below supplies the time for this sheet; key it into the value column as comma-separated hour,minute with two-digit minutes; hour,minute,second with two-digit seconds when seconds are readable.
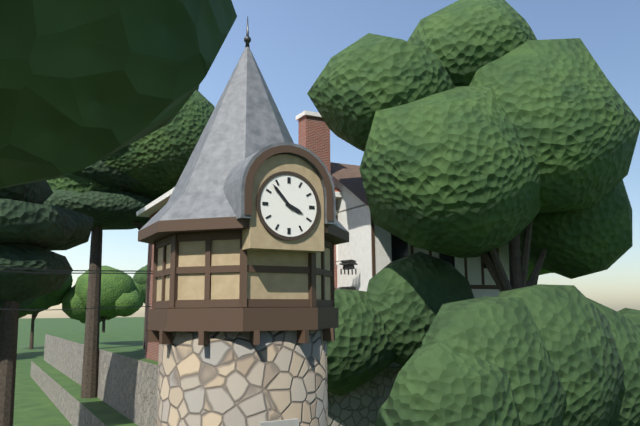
3,53
